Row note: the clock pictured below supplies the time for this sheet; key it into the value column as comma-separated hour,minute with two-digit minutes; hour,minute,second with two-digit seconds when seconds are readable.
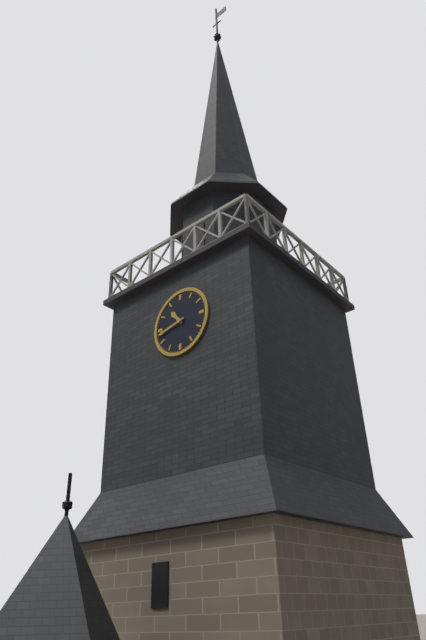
10,43
